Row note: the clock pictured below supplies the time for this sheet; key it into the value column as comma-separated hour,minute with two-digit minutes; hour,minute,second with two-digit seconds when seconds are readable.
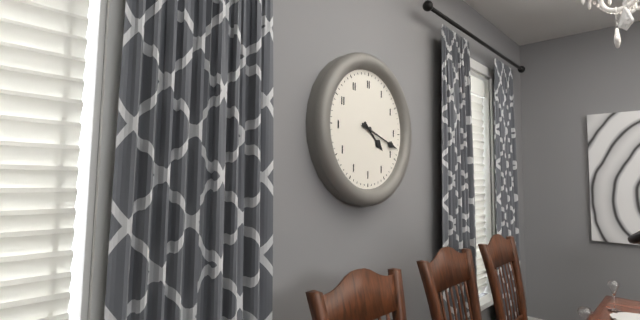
4,18
